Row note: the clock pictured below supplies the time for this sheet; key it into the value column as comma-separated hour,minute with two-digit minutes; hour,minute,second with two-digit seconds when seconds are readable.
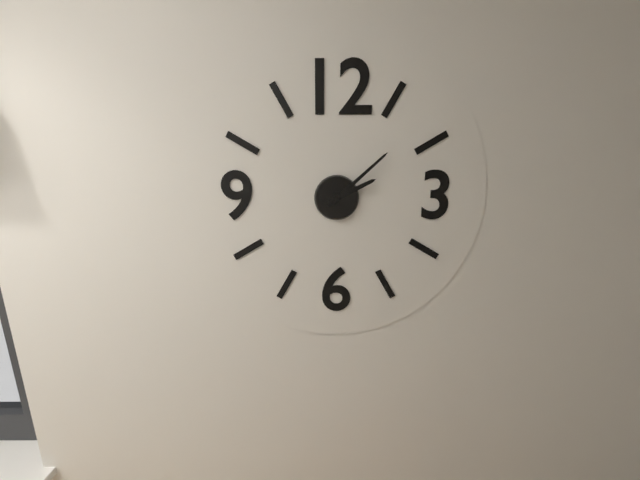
2,08
